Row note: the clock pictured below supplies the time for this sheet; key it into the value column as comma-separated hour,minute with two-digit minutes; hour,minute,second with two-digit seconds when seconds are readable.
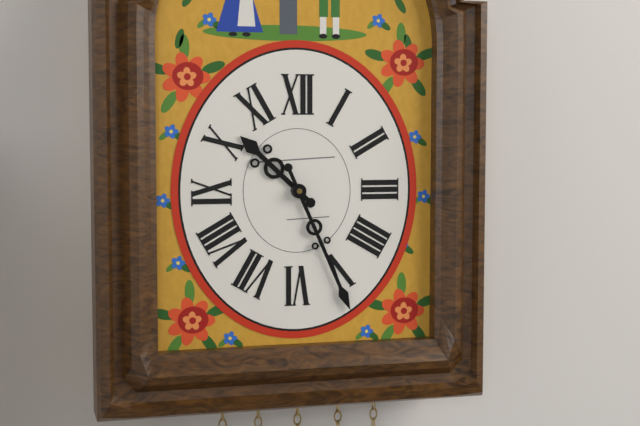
10,26
